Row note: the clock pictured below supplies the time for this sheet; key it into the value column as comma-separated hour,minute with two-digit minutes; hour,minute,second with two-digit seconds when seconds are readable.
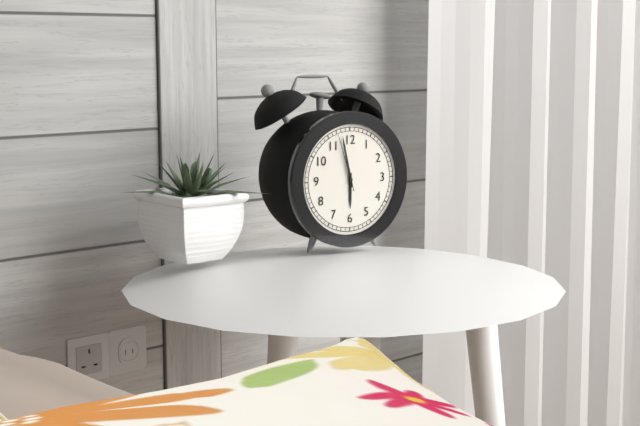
5,58,57
